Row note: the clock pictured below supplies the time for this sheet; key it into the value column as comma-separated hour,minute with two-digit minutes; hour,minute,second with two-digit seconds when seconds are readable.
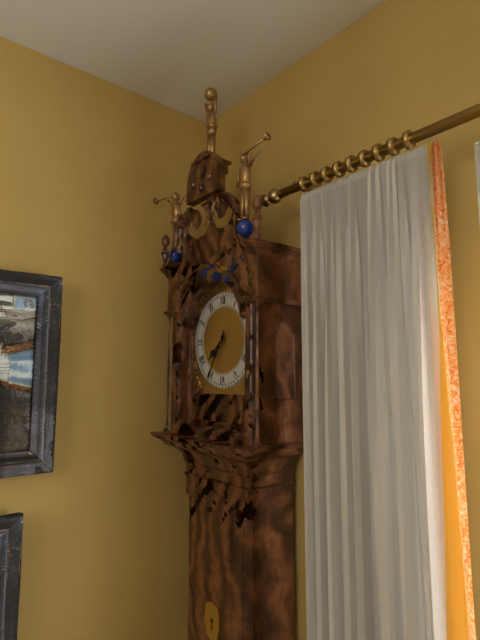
7,35
